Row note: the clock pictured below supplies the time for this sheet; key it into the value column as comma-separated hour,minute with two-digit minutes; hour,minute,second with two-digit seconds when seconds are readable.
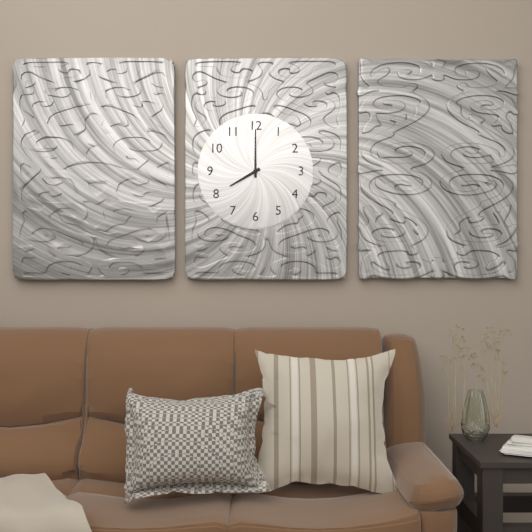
8,00
